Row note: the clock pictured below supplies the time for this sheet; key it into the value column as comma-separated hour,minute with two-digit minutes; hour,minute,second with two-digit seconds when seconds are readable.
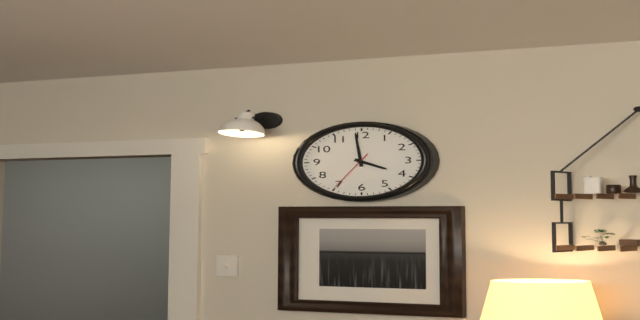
3,59
